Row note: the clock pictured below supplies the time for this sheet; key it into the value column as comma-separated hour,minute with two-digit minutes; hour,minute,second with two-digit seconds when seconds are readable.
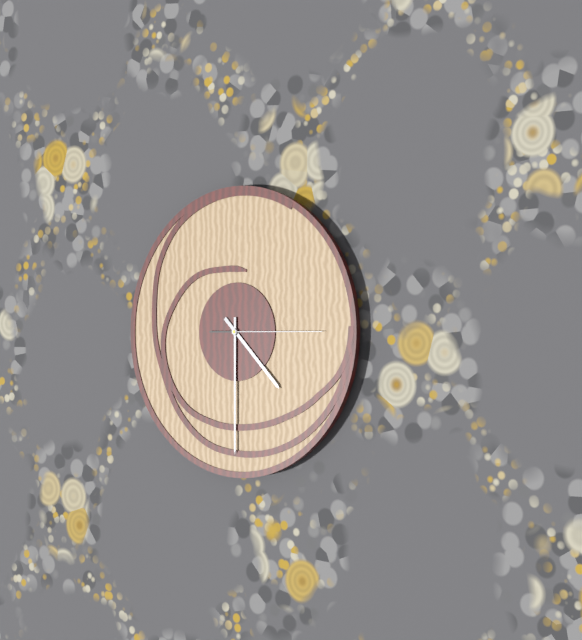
4,30,15
